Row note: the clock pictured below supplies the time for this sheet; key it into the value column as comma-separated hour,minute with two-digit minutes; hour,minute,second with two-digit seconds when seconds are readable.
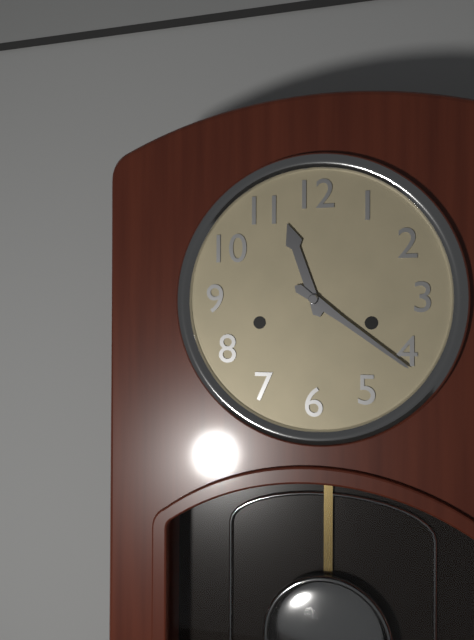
11,21
